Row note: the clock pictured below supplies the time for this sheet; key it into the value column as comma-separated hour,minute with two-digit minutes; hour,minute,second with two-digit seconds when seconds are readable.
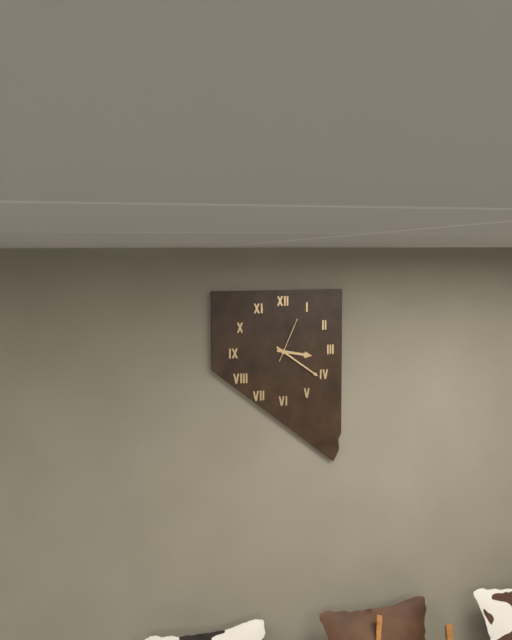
3,21
